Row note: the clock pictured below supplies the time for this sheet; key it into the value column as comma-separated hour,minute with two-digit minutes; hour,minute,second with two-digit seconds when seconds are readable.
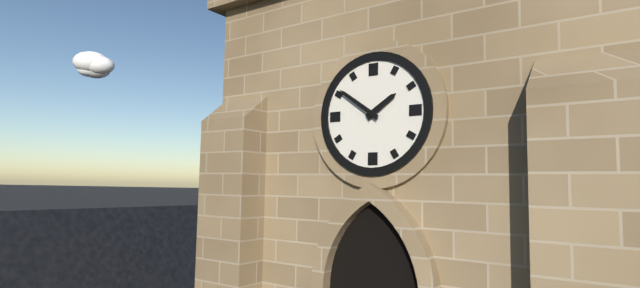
1,51
